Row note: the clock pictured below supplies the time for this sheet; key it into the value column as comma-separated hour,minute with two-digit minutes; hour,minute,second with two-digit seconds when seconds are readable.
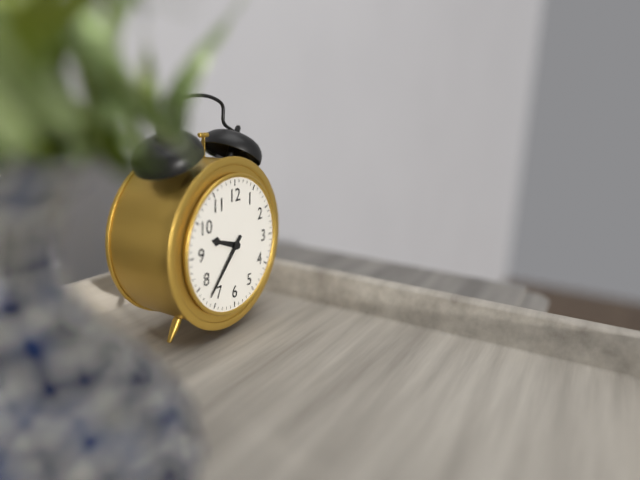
9,37
